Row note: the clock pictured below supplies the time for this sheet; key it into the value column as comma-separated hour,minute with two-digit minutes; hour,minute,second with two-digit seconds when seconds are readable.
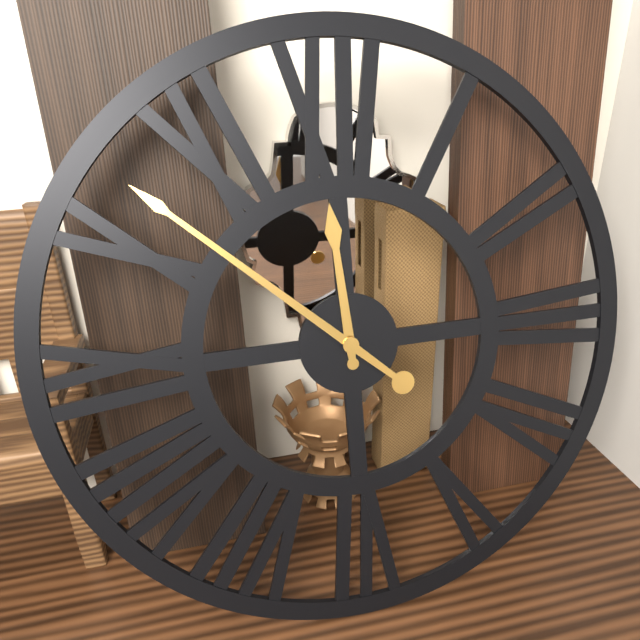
11,52
